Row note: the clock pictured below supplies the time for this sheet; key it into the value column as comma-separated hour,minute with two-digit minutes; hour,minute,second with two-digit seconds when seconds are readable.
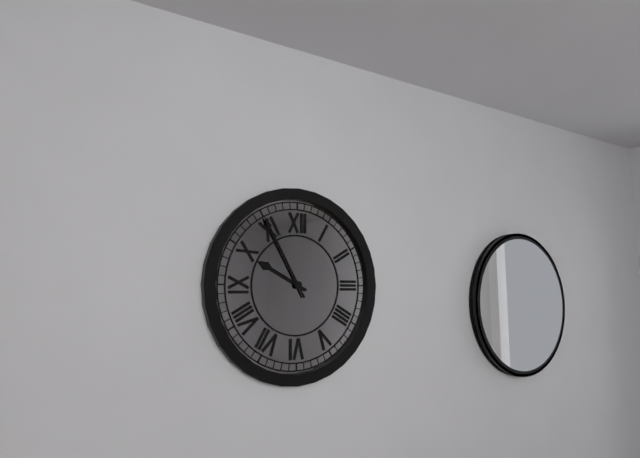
9,55
